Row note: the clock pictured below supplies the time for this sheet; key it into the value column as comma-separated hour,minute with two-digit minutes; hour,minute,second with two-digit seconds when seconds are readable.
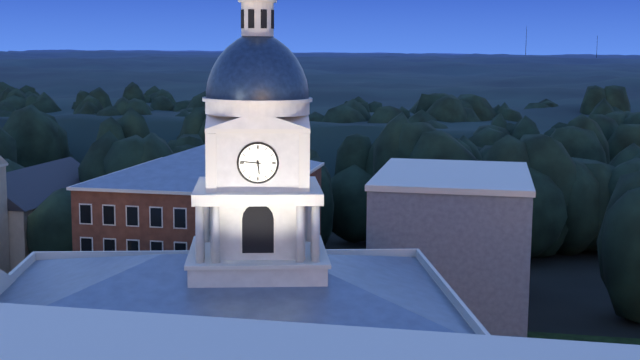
5,46
